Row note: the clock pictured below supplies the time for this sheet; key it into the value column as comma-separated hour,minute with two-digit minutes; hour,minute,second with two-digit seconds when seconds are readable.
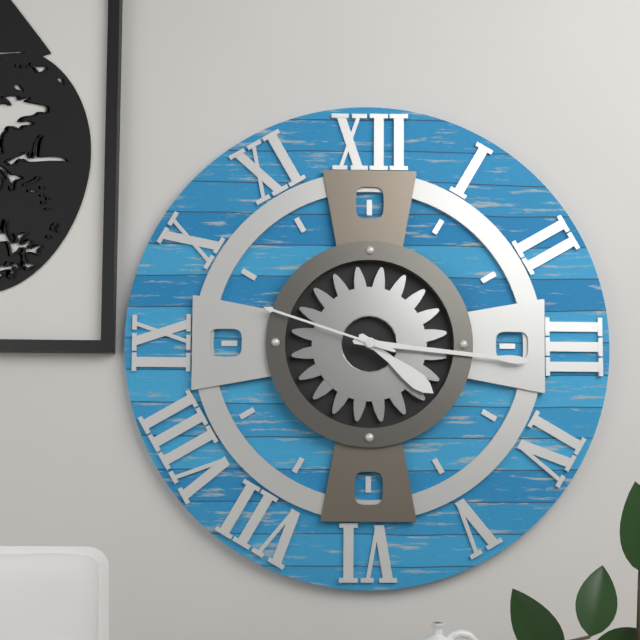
4,16,48
